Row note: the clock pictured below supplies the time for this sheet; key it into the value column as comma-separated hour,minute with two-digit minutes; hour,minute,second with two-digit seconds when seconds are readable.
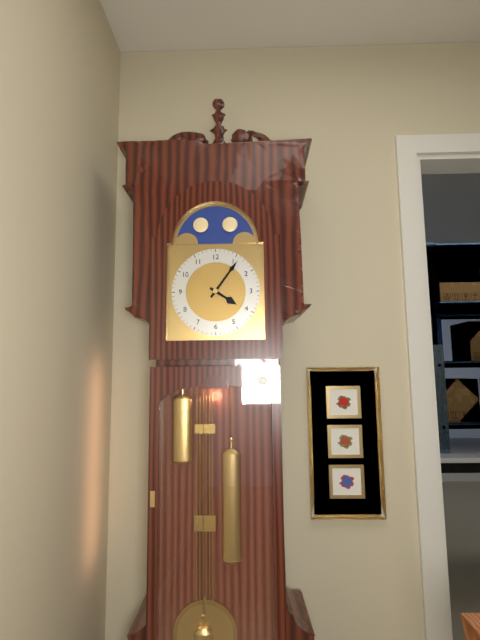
4,06
